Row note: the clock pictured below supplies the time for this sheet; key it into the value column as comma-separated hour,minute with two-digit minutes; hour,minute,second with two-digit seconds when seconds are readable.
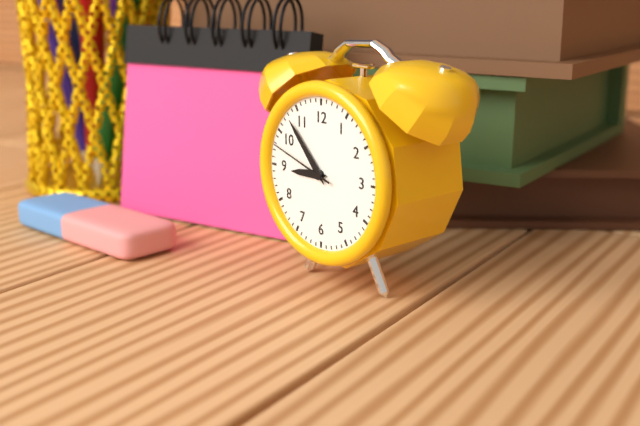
8,53,48
